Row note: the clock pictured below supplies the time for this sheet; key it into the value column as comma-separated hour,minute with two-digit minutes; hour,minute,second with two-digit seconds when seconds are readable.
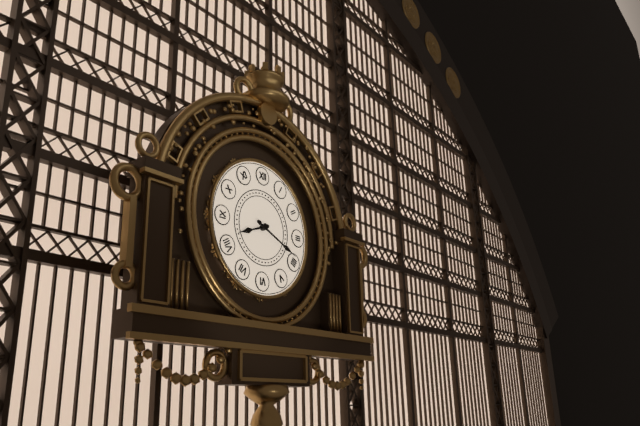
8,19
